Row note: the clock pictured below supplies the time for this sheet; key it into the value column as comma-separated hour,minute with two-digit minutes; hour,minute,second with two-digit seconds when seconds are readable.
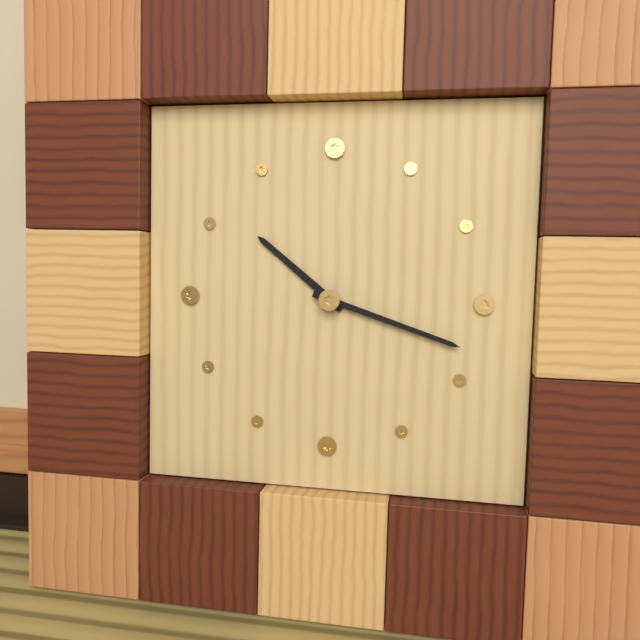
10,18
